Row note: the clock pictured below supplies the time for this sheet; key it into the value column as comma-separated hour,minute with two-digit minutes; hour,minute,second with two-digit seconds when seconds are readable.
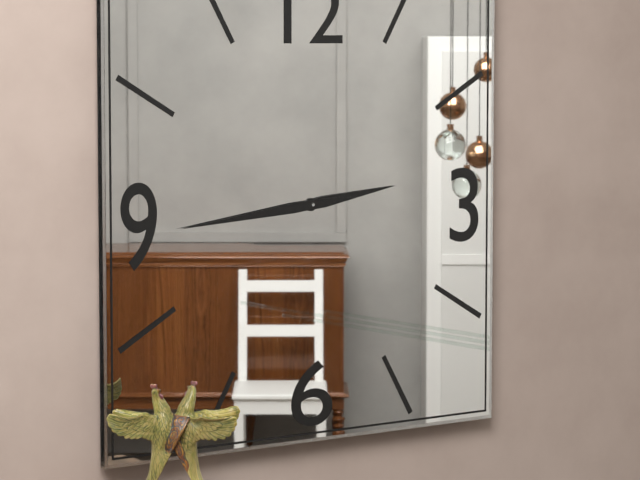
2,44
